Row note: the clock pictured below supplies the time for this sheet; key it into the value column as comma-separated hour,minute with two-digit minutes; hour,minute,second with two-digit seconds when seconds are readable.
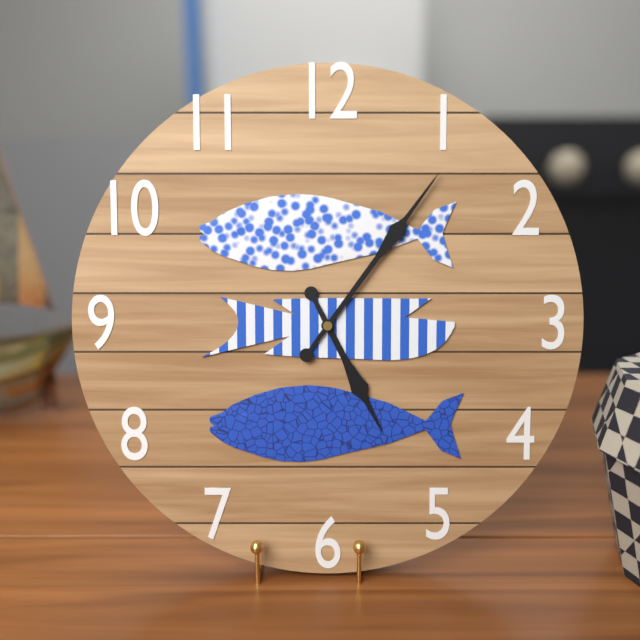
5,06
